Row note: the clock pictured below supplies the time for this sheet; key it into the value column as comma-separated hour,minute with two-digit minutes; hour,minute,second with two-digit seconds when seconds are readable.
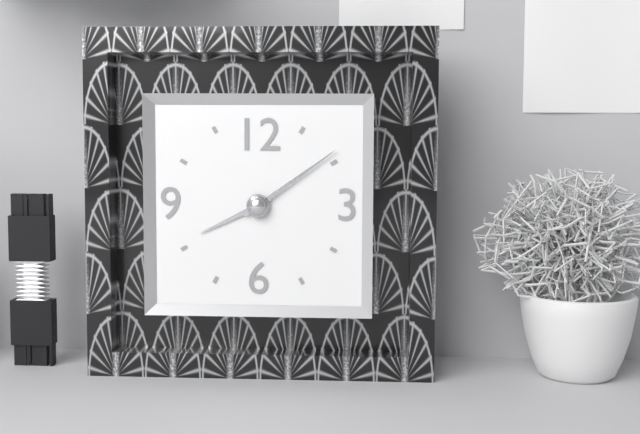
8,09
